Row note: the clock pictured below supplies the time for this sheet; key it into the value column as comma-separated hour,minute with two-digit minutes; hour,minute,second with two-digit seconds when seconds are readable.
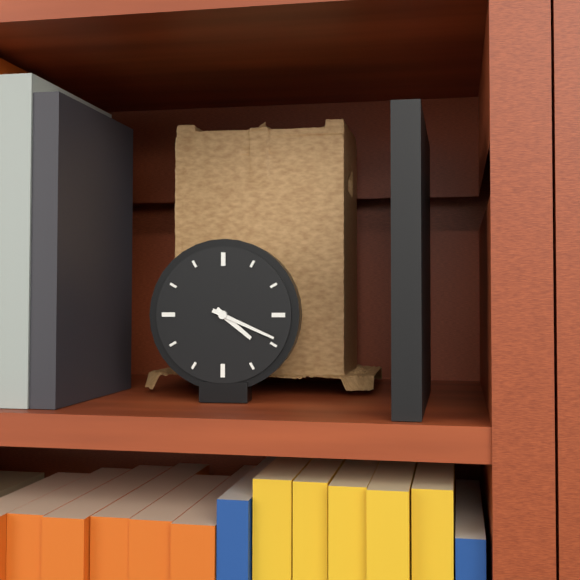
4,19
